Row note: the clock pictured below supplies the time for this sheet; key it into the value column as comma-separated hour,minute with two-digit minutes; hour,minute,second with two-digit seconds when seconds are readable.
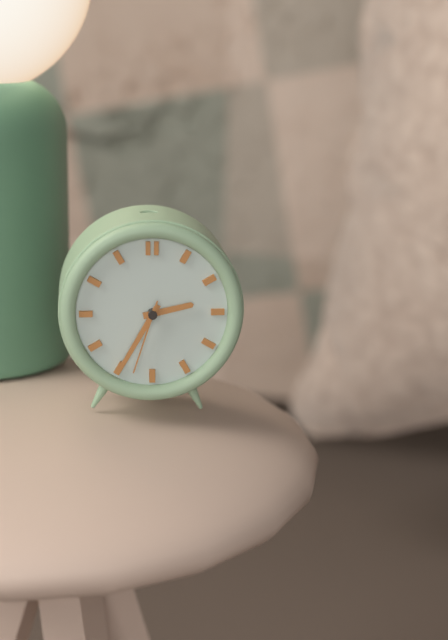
2,35,33
